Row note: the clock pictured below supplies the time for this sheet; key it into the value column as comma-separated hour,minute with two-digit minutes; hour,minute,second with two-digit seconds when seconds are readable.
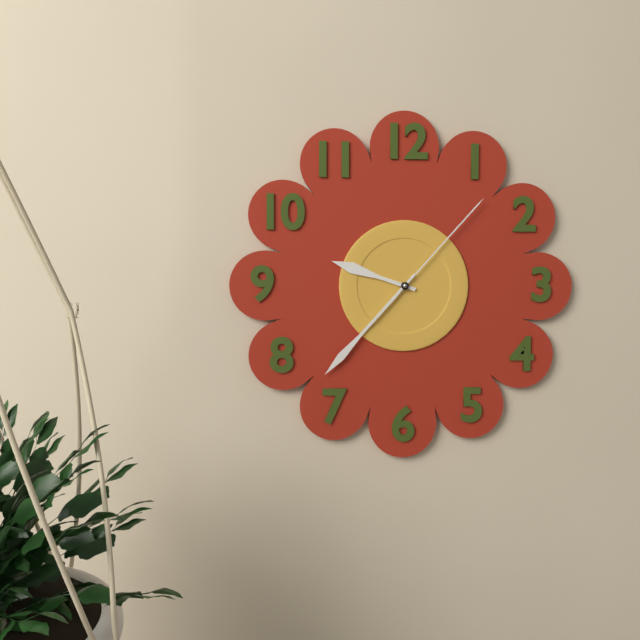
9,37,07
